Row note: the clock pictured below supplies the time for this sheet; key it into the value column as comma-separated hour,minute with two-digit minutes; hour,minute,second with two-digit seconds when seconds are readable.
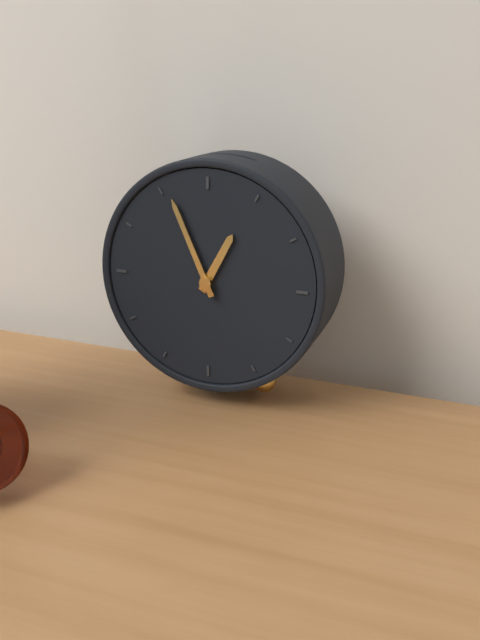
12,56
